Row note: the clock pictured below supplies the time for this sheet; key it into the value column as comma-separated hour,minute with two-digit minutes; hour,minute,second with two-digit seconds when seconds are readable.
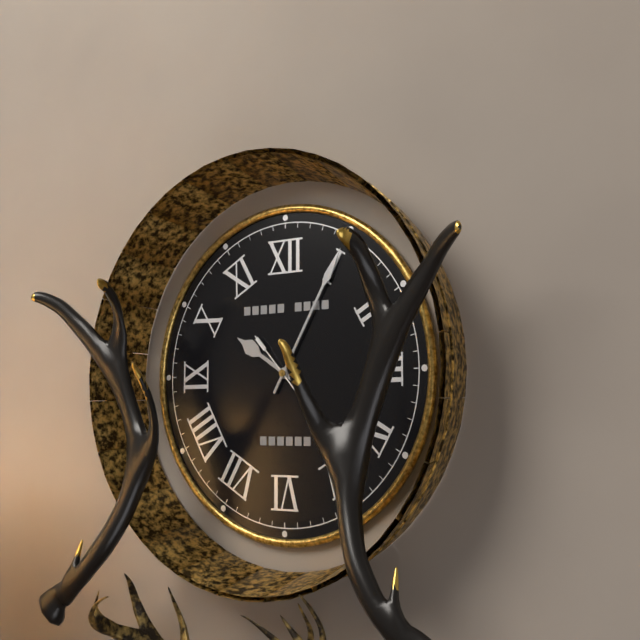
10,05
